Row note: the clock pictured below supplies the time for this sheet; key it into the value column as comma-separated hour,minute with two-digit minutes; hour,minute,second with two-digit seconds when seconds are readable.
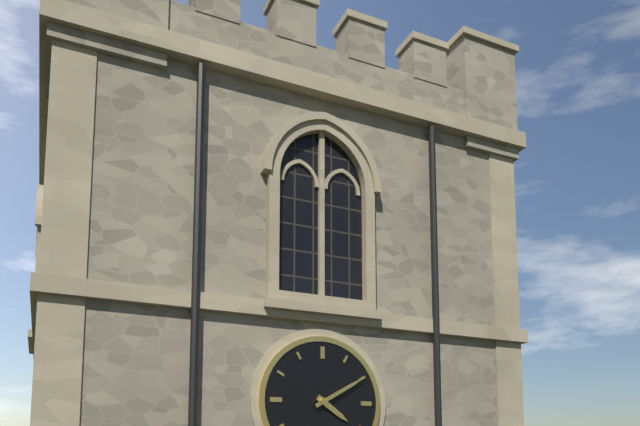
4,10
